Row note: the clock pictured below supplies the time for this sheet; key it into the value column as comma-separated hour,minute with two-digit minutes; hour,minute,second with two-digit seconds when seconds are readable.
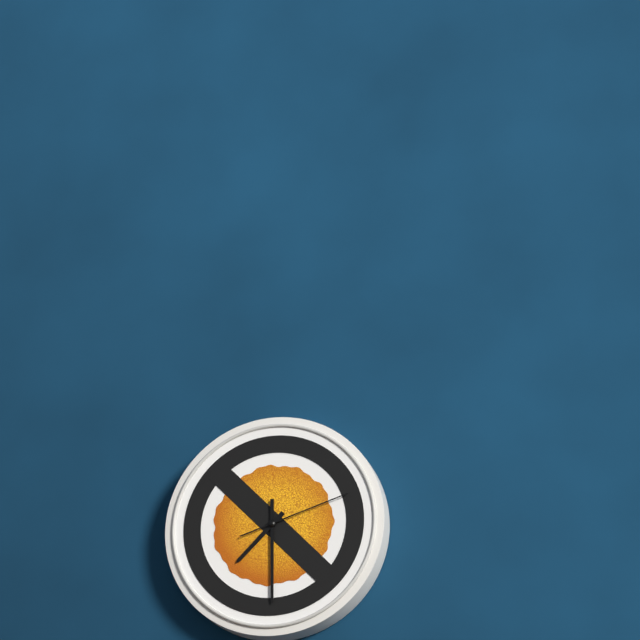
7,30,12
